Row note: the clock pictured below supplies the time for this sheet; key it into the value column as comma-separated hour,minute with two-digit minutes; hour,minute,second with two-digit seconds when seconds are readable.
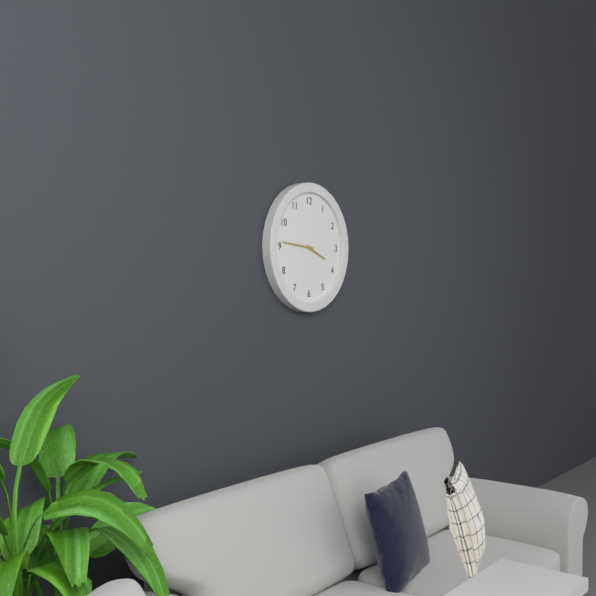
3,46
